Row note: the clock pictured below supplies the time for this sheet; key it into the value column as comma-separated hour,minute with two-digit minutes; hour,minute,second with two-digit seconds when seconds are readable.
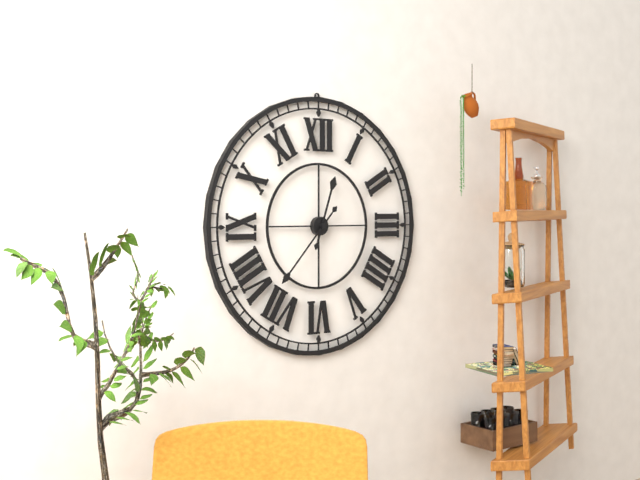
12,37
